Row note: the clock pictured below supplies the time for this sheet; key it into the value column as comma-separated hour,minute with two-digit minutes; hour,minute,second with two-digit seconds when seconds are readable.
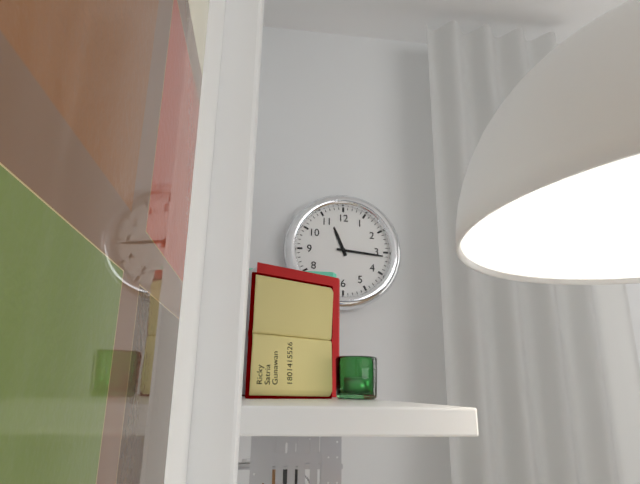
11,16
